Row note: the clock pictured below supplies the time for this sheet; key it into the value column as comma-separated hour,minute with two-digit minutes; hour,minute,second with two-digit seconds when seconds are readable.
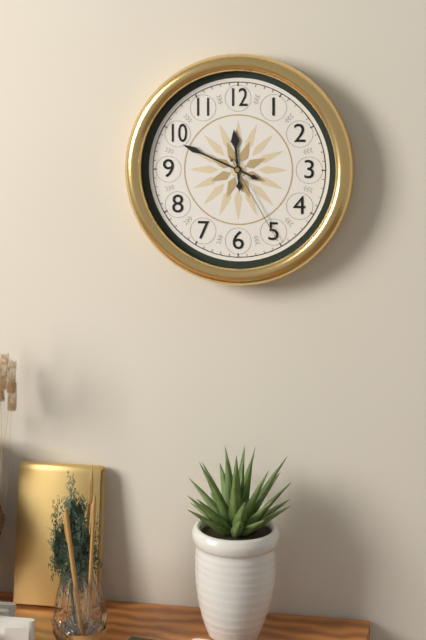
11,49,25
